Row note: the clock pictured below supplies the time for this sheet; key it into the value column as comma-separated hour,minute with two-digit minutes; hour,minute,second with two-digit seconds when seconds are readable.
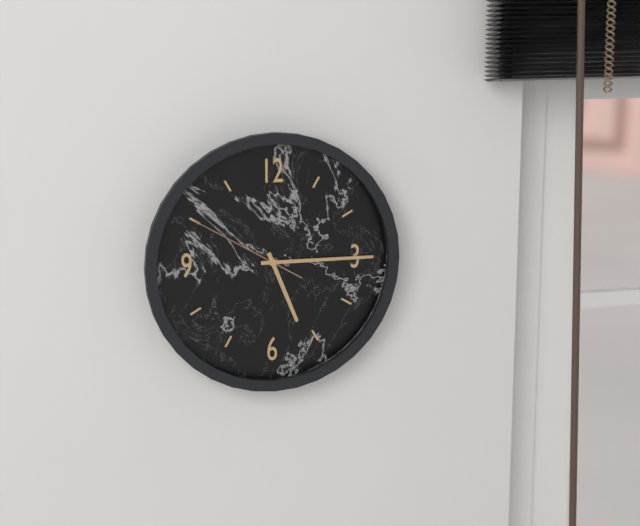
5,15,50
